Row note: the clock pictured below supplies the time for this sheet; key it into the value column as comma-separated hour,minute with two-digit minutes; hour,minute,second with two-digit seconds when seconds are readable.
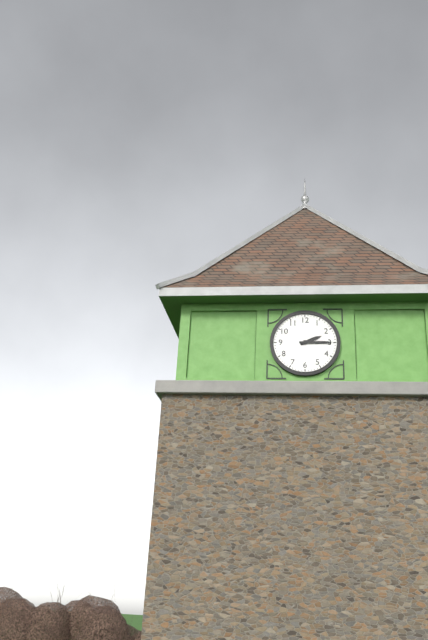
2,15
